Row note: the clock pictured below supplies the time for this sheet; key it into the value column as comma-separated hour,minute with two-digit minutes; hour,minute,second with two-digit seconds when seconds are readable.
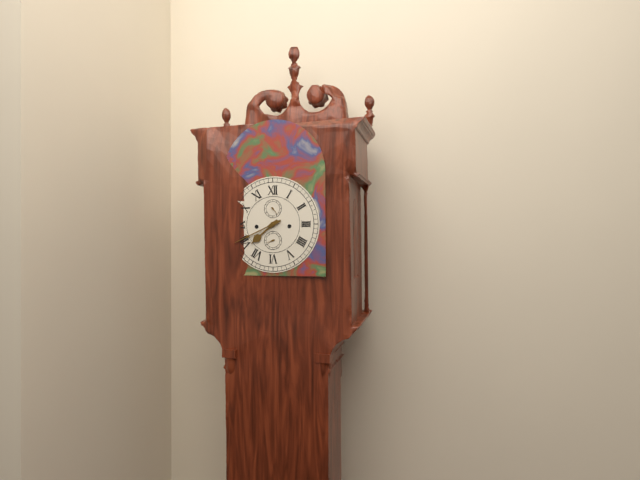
7,41
